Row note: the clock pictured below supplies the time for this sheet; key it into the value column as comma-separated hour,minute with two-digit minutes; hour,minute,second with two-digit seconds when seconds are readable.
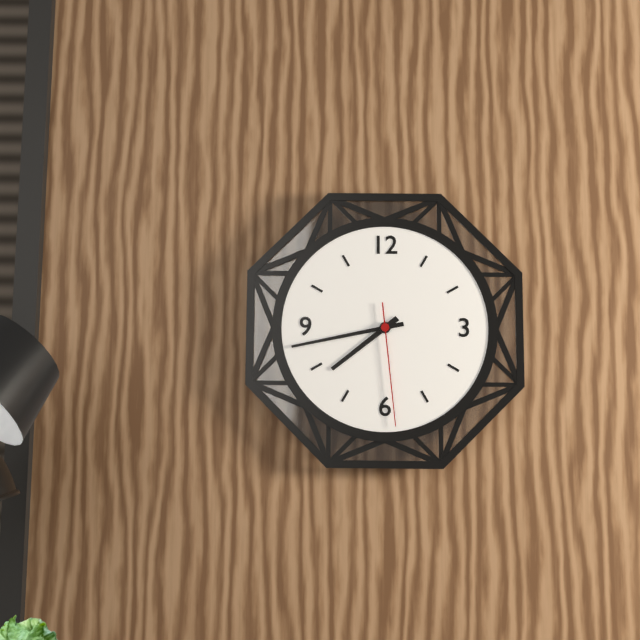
7,43,29
